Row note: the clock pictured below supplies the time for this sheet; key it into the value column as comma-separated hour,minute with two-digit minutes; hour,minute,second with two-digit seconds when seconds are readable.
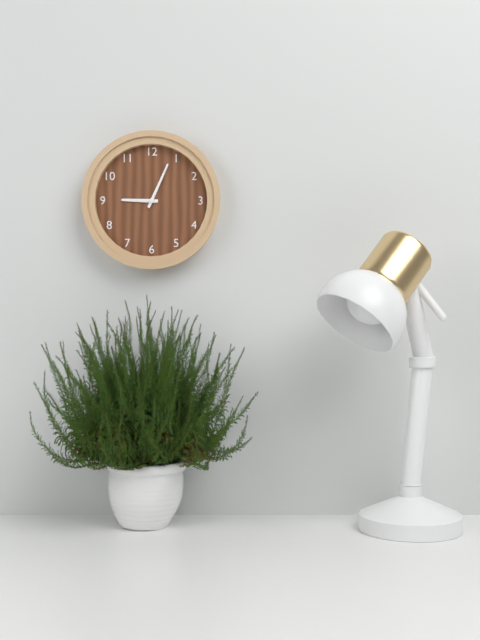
9,04
